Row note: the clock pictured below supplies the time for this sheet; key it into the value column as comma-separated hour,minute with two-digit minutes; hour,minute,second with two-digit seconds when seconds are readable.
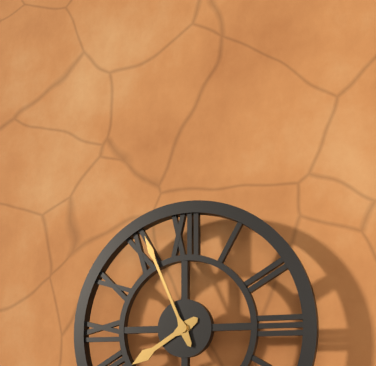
7,56
